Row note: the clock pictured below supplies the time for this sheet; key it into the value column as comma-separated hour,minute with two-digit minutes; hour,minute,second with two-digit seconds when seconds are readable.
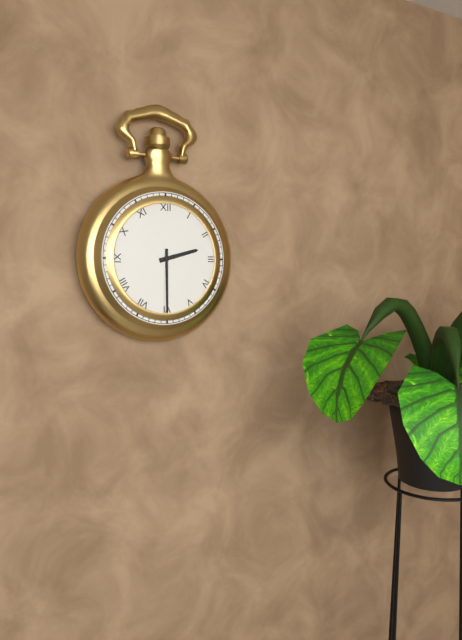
2,30
